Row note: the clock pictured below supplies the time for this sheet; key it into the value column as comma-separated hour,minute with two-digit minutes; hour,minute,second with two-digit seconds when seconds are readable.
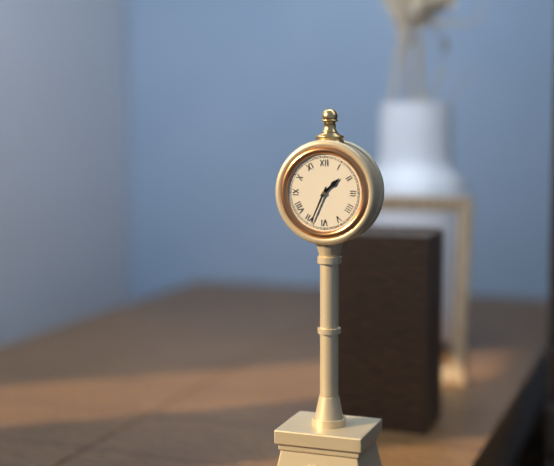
1,34
